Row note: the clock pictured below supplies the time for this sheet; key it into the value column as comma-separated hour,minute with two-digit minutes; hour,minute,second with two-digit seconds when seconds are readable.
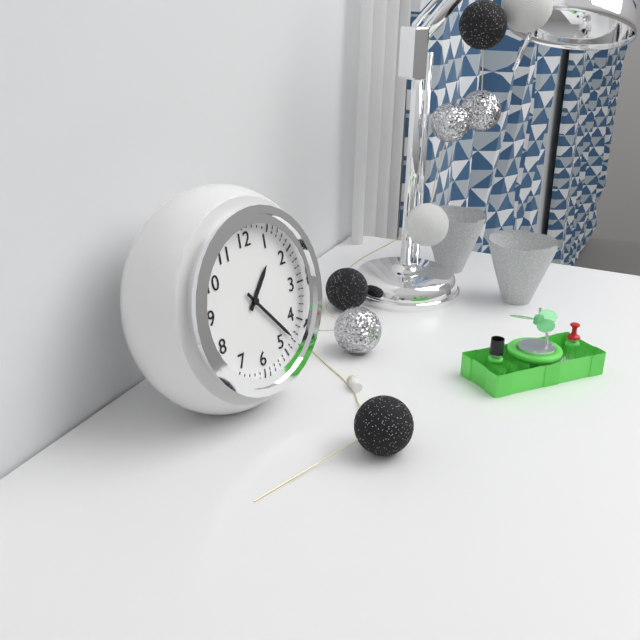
1,23
